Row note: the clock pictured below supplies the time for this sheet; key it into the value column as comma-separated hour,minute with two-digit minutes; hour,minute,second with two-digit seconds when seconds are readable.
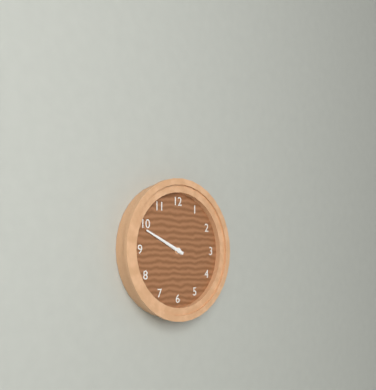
9,49
